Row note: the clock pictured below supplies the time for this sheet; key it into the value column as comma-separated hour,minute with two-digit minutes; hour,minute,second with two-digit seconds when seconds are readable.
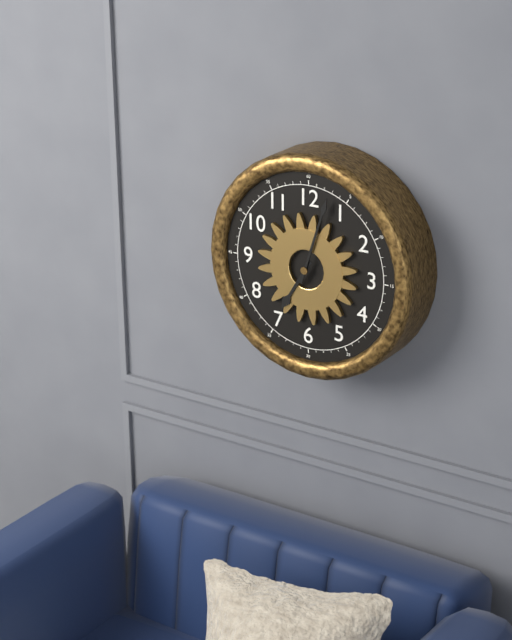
7,03
